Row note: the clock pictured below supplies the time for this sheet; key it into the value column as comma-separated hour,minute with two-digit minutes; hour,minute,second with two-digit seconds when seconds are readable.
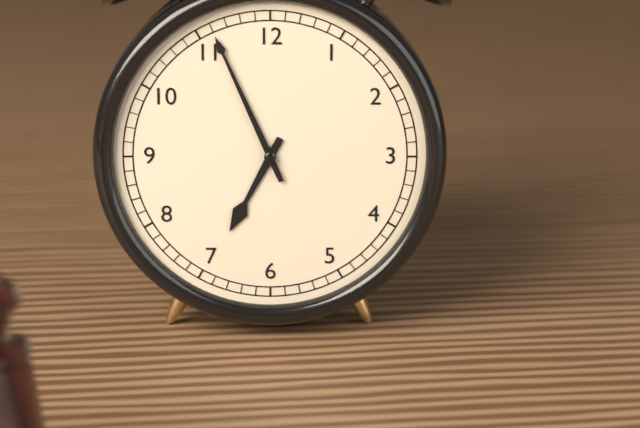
6,56
